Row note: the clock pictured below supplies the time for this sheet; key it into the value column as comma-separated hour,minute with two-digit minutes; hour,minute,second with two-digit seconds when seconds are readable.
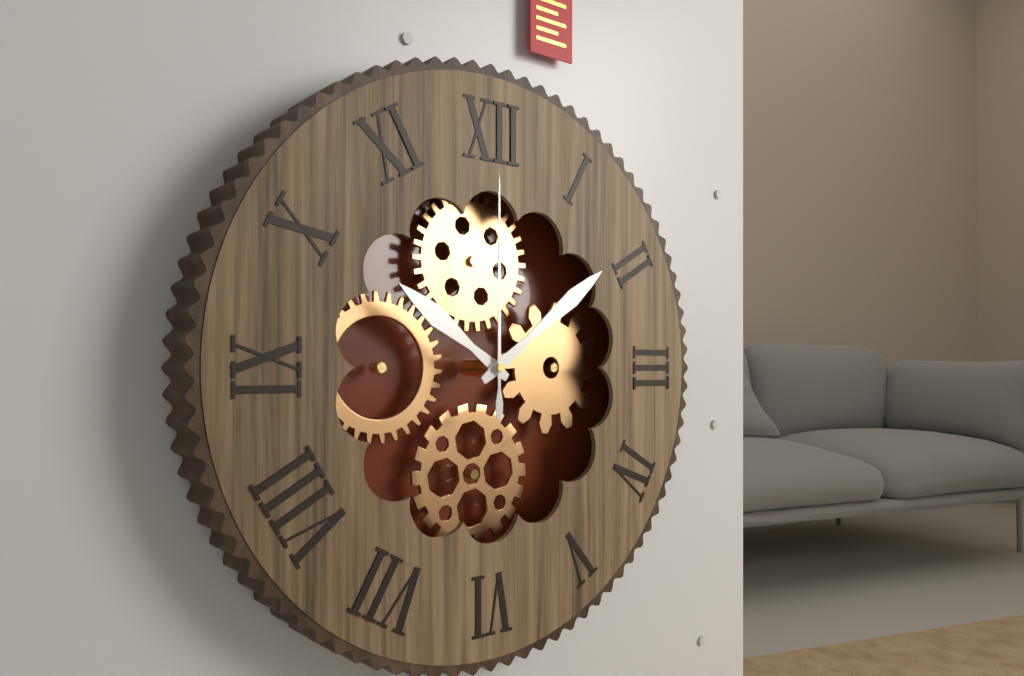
10,09,00
